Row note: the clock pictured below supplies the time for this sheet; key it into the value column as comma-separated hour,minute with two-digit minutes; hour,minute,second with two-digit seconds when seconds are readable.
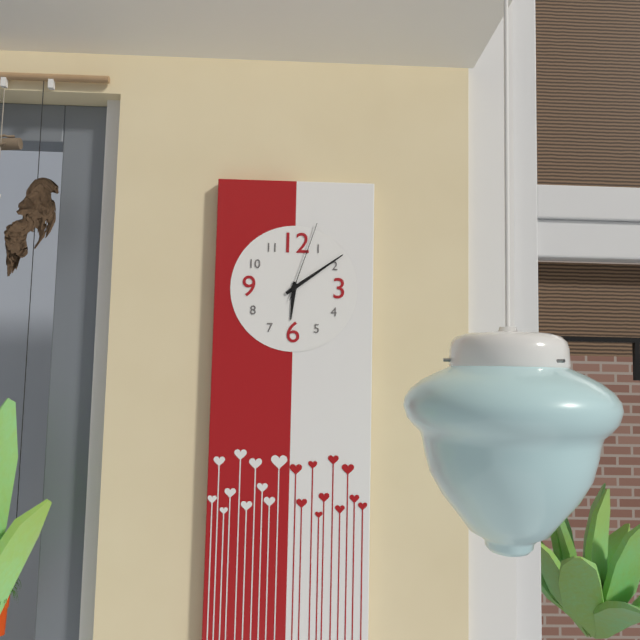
6,09,03
